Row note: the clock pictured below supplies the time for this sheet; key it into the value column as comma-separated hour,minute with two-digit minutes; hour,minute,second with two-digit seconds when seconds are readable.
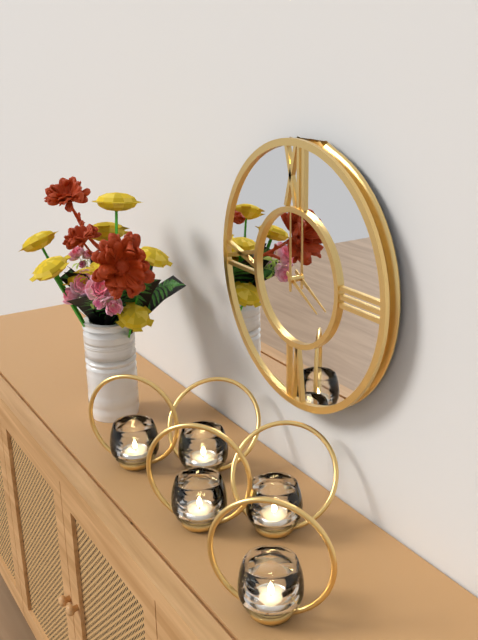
4,00
